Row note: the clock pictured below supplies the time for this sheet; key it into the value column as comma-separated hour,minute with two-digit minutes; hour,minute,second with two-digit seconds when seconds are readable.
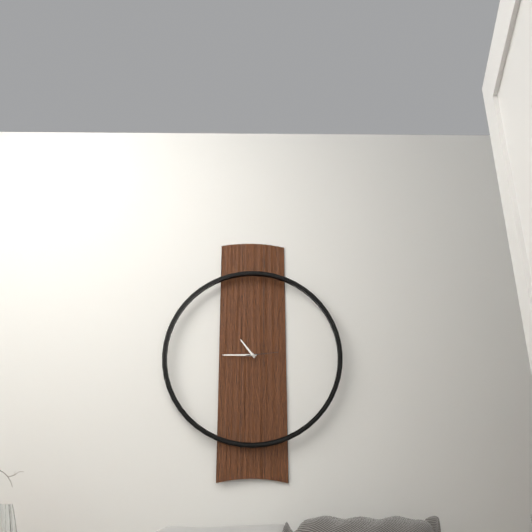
10,45
